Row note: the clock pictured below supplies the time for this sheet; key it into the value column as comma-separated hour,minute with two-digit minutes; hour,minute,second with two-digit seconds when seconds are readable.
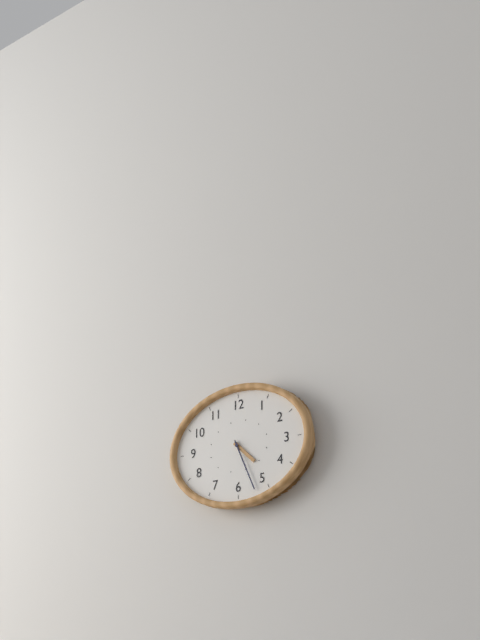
4,26
